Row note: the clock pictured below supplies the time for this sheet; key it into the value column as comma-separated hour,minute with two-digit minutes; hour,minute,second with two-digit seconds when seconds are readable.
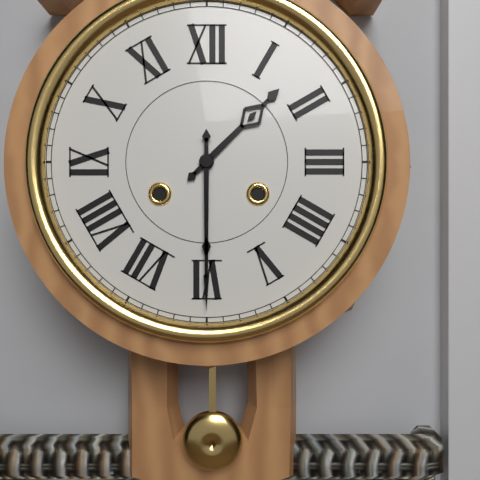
1,30
